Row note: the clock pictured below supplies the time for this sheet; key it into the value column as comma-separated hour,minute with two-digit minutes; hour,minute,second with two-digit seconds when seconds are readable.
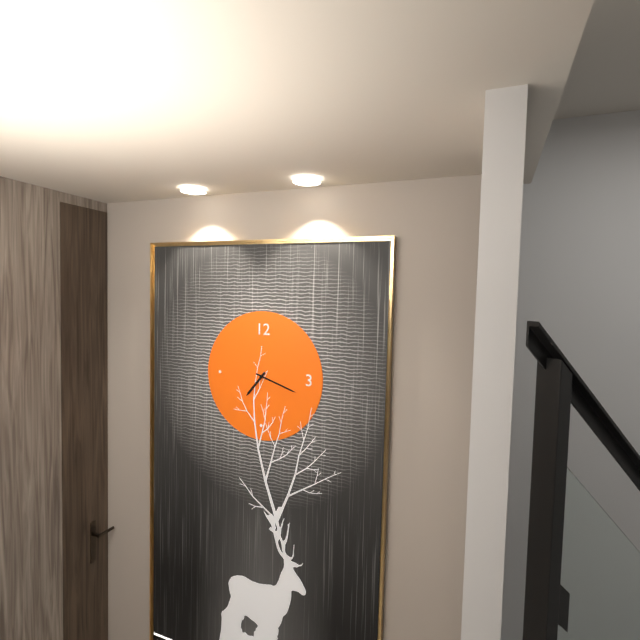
7,18
